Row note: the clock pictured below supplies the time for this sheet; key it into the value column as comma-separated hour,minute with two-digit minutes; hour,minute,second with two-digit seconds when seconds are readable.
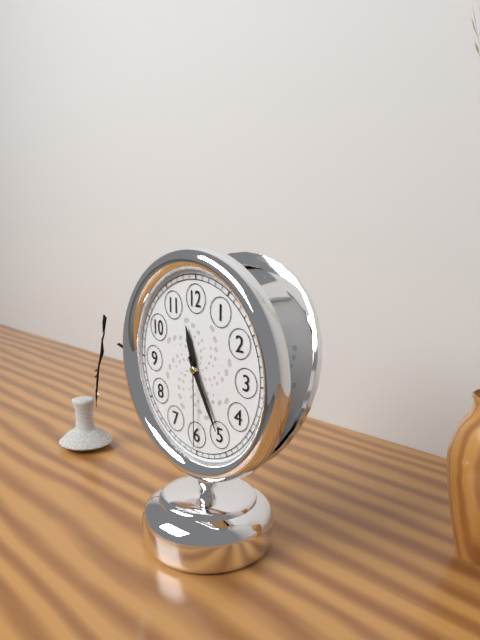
11,25,30
